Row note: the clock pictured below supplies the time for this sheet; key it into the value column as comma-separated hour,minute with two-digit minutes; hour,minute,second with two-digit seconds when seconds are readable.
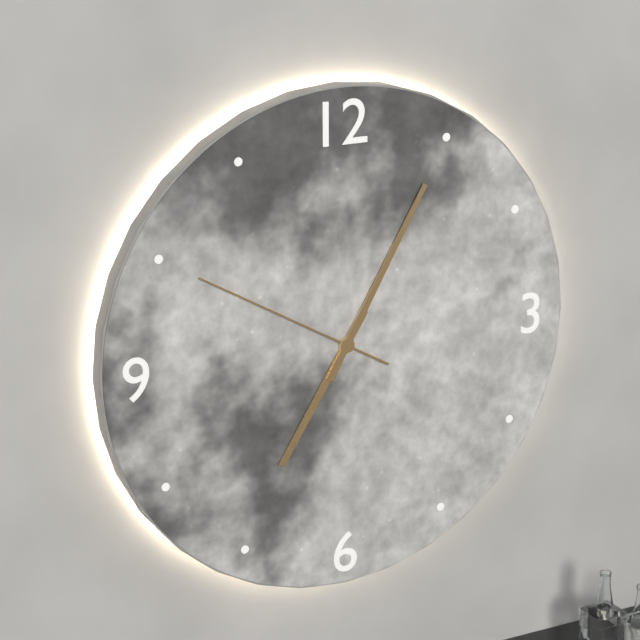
7,05,50
